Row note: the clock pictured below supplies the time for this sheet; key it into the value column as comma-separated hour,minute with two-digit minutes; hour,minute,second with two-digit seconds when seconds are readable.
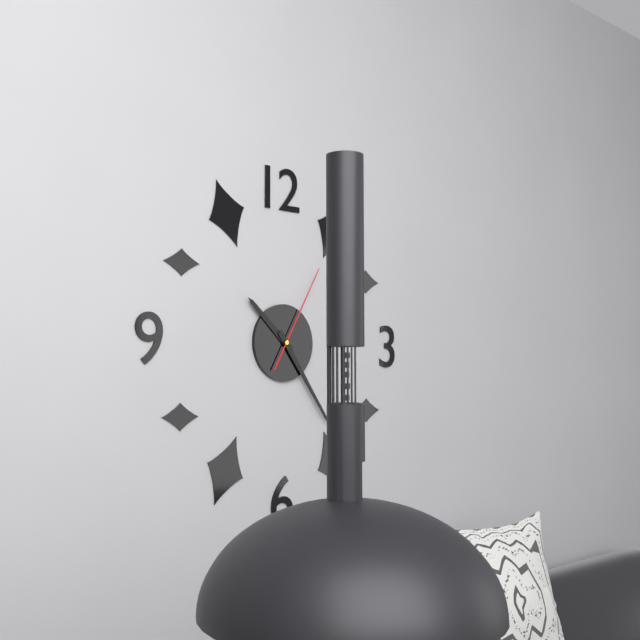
10,24,05
